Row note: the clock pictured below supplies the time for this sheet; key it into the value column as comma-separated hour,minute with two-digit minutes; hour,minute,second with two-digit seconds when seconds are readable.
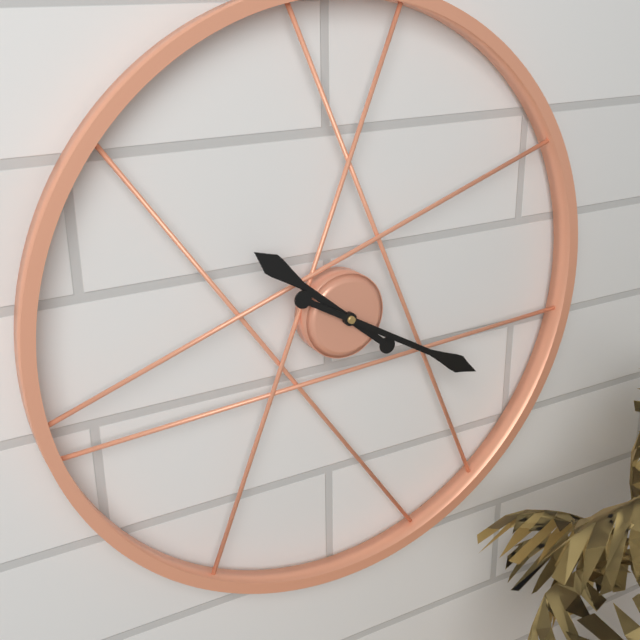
10,20
